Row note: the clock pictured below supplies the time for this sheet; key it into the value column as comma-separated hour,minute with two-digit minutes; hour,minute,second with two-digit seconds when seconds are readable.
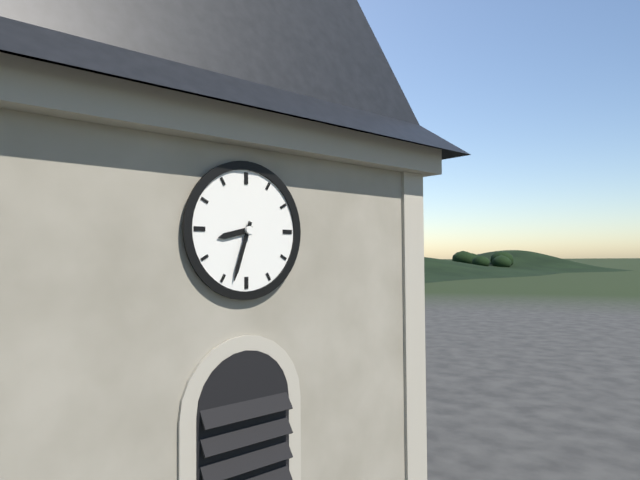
8,33
